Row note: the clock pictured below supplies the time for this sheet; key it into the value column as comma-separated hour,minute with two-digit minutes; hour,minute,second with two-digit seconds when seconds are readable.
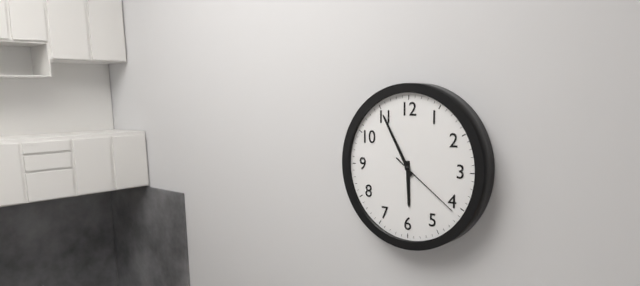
5,55,21
